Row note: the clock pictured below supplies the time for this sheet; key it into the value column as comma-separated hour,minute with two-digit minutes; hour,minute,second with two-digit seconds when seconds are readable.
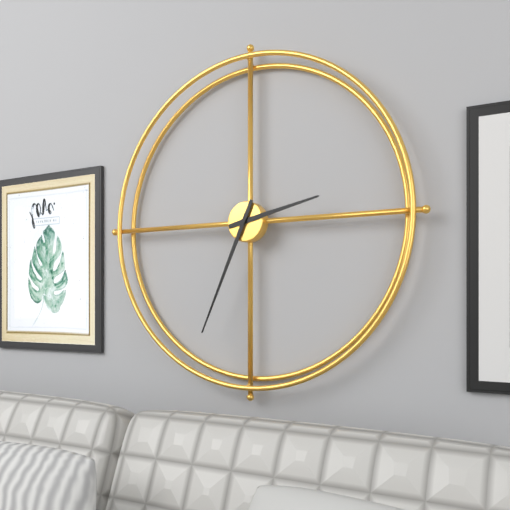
2,34
